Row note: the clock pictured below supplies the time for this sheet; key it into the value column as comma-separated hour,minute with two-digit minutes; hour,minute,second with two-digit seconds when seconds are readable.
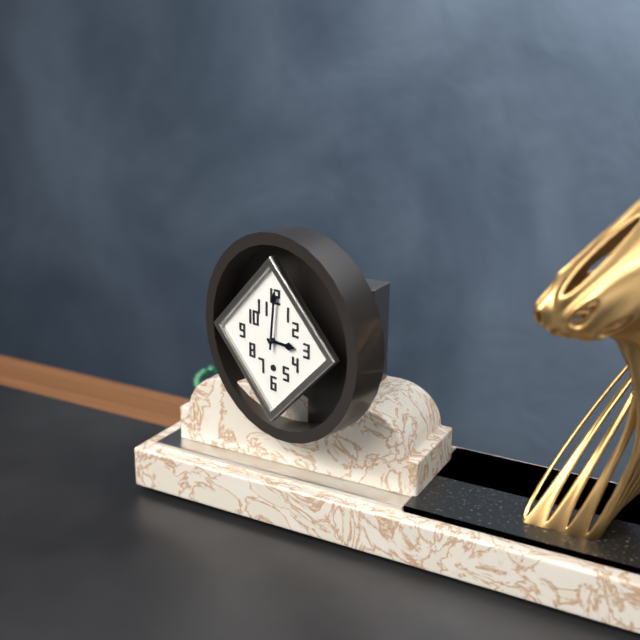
3,01
